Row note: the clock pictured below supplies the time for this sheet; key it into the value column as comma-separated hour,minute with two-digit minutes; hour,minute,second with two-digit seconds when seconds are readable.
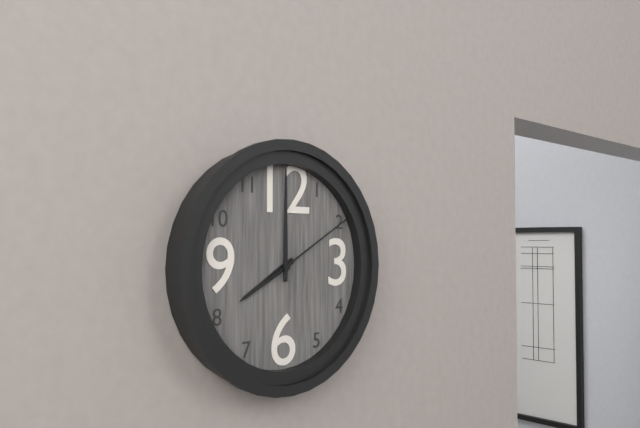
8,00,10
